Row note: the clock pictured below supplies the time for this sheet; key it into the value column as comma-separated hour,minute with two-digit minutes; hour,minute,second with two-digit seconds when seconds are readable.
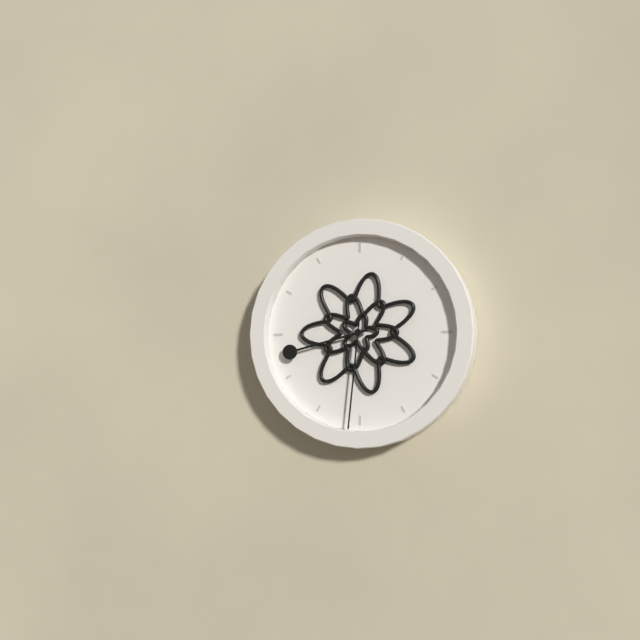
8,31
